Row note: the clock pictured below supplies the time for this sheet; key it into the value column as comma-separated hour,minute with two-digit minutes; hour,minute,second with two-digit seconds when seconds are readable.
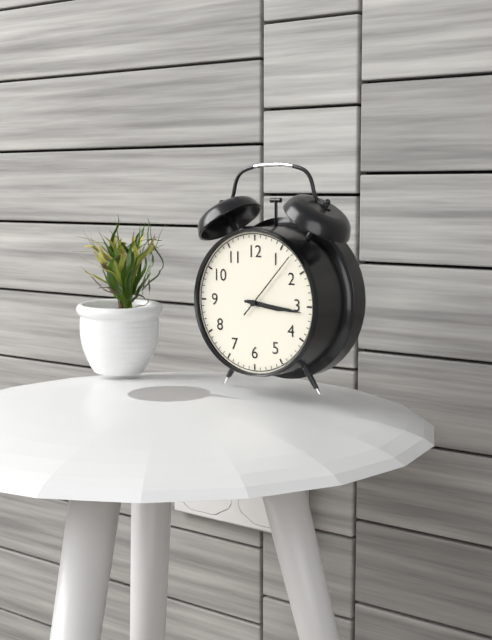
3,16,07
